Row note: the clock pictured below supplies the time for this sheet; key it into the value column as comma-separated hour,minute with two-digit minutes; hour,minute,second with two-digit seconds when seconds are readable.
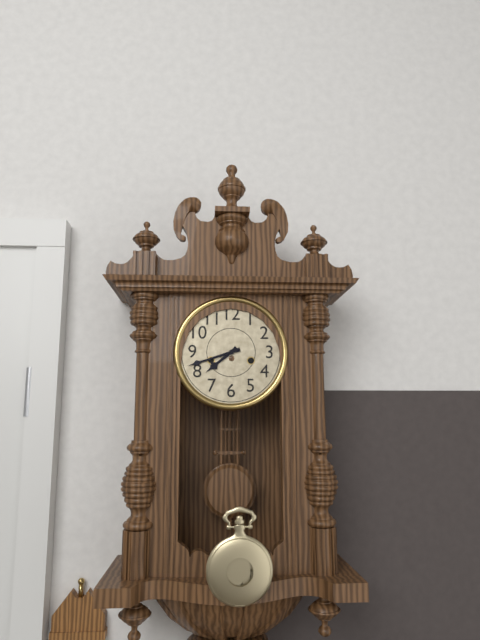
7,42
